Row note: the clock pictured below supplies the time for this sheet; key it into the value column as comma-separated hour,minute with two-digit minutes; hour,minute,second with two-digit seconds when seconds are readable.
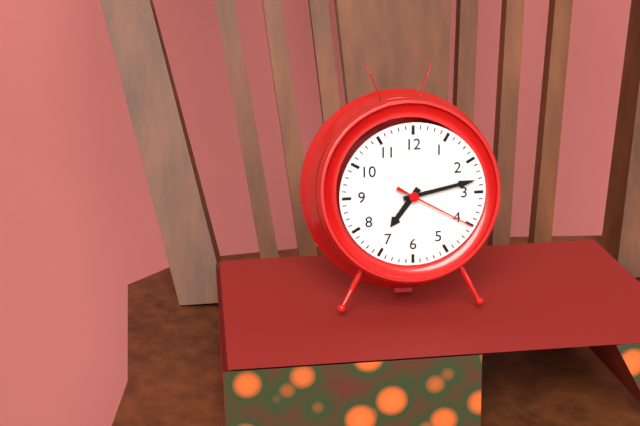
7,13,20
